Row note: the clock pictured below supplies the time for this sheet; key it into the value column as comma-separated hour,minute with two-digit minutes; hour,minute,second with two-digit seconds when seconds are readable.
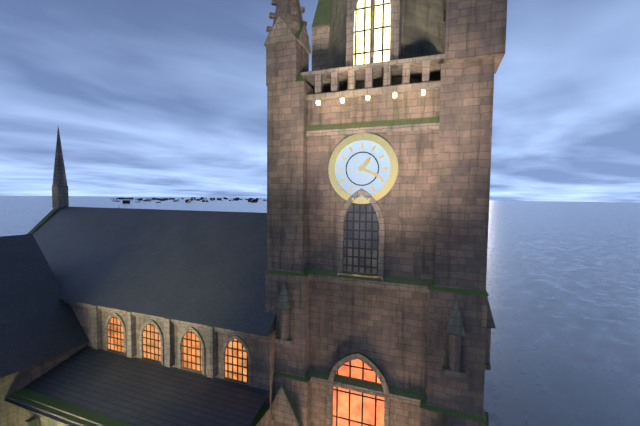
1,19
